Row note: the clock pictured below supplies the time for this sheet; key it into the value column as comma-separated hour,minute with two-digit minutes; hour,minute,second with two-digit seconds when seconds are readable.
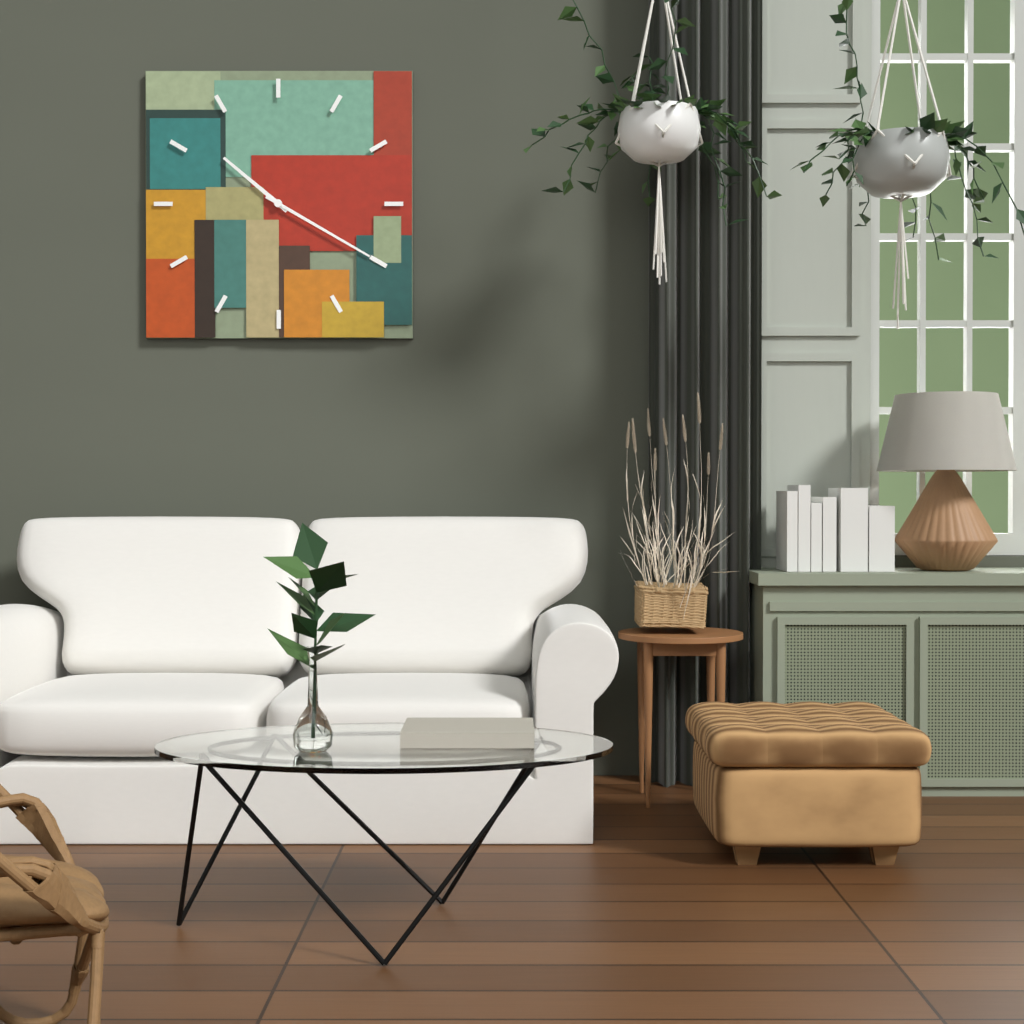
10,20
